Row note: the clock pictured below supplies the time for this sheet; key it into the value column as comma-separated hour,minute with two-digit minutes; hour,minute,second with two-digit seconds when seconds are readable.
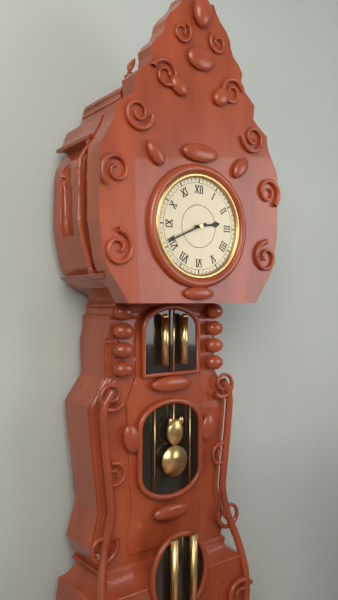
2,41
